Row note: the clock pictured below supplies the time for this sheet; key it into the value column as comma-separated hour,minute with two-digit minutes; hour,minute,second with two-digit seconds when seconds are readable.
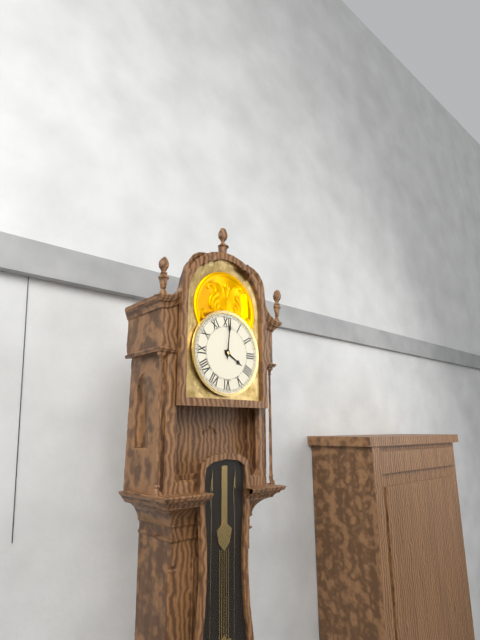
4,01
